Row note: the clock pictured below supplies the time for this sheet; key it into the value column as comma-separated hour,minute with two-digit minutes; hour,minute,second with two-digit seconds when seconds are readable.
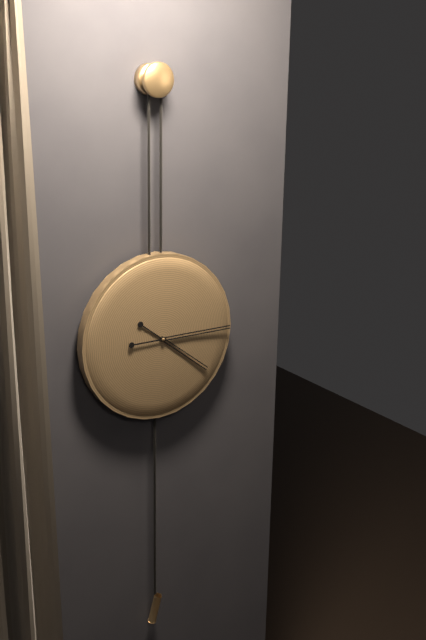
4,15
